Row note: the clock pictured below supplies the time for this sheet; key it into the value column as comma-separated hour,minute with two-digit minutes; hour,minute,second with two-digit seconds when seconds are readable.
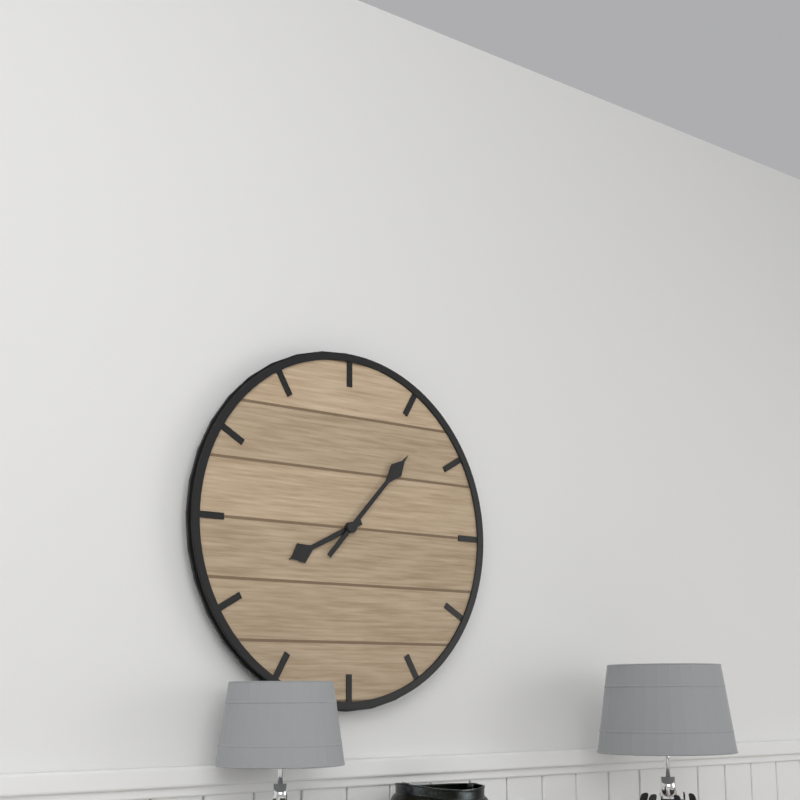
8,07
